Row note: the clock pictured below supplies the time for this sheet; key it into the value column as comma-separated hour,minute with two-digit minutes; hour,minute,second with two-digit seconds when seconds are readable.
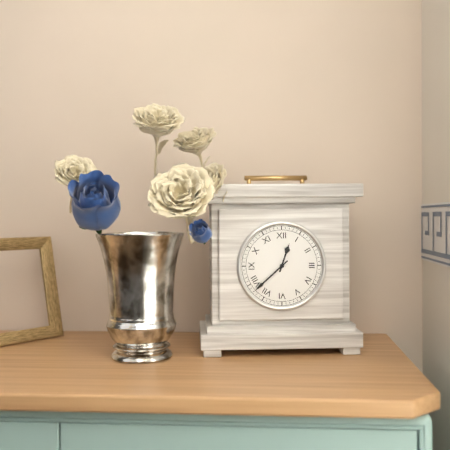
12,38
